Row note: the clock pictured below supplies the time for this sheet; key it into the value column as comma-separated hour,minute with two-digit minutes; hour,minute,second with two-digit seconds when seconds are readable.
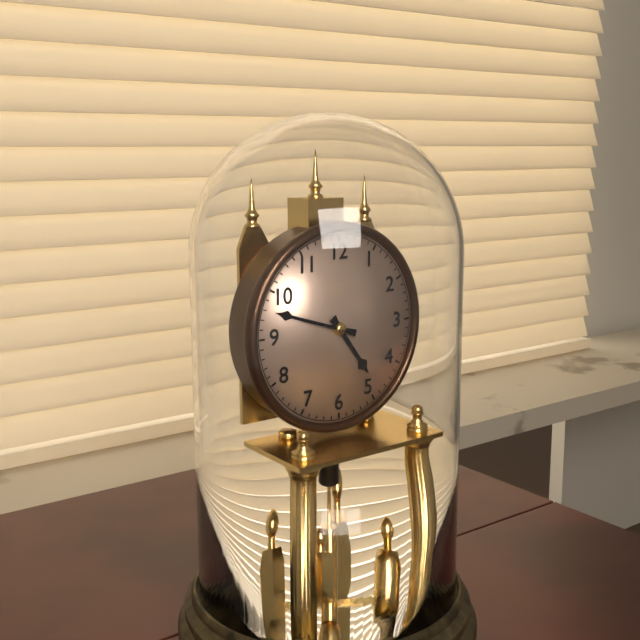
4,48
